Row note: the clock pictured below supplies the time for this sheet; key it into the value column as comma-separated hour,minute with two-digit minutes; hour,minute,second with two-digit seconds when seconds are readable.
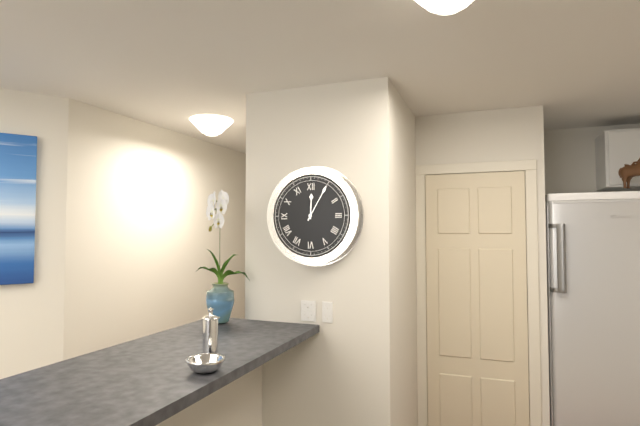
12,05
